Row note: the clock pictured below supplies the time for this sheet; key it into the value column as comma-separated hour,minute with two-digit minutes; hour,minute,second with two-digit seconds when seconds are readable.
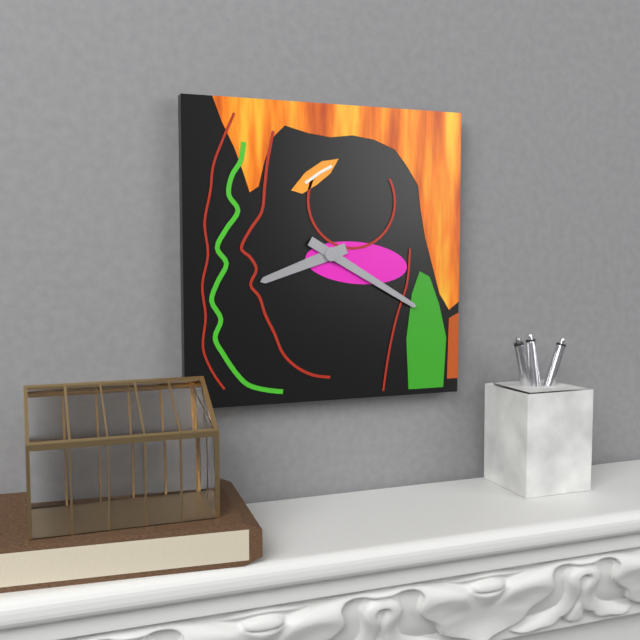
8,20
